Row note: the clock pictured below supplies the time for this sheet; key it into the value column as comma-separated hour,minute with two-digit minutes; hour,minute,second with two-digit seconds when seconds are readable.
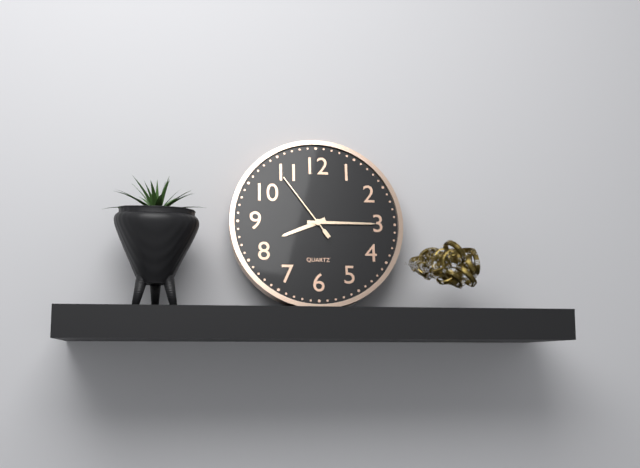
8,15,54
